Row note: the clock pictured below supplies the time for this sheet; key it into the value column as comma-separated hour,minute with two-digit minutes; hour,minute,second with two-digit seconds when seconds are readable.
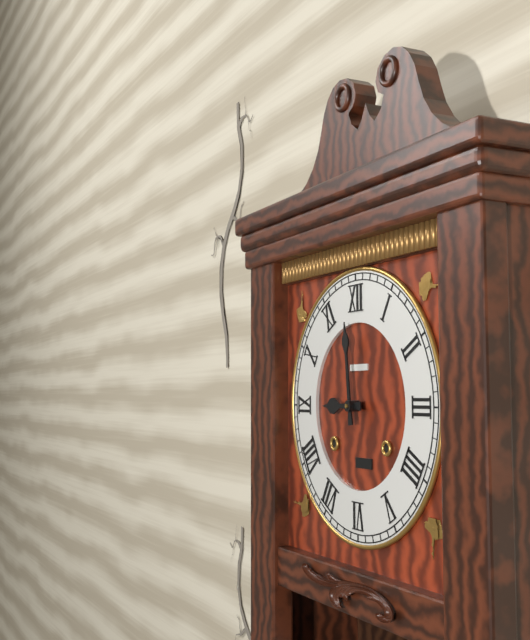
8,59
